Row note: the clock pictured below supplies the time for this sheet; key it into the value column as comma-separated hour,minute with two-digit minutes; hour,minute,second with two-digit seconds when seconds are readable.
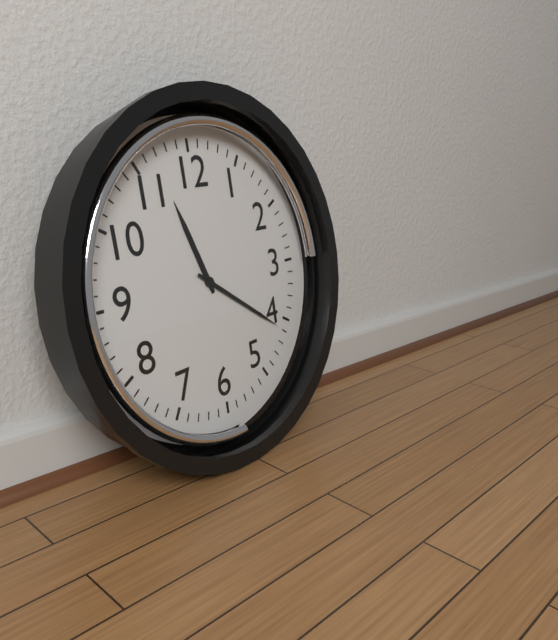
11,21
